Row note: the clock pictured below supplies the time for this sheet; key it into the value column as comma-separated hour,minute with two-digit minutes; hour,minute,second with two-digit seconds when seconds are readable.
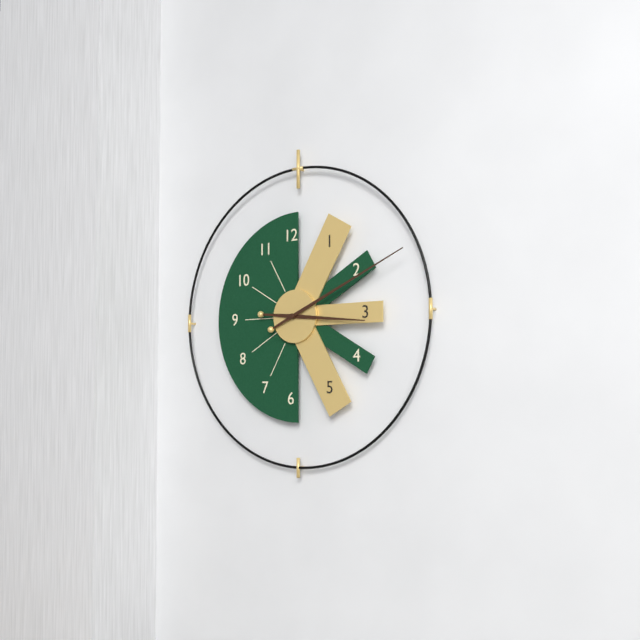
3,11
